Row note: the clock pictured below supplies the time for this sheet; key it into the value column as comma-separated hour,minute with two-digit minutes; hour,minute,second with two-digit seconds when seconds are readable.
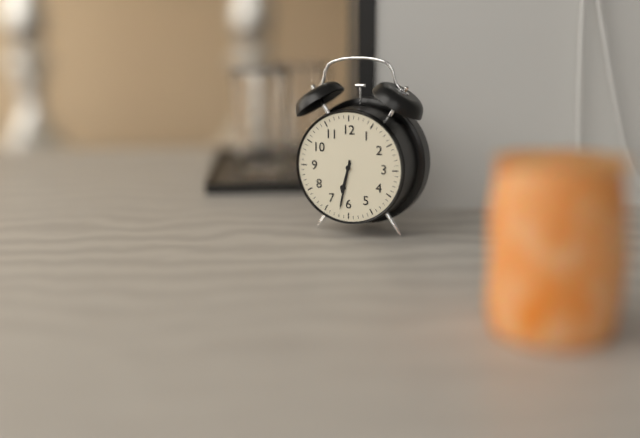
6,32
